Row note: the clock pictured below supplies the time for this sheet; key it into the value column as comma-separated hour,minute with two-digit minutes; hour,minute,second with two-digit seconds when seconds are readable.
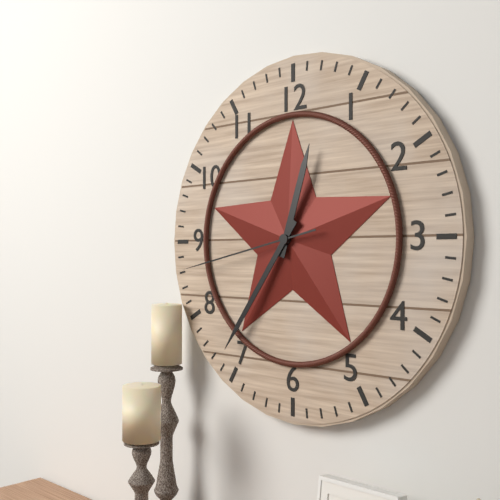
12,36,43
